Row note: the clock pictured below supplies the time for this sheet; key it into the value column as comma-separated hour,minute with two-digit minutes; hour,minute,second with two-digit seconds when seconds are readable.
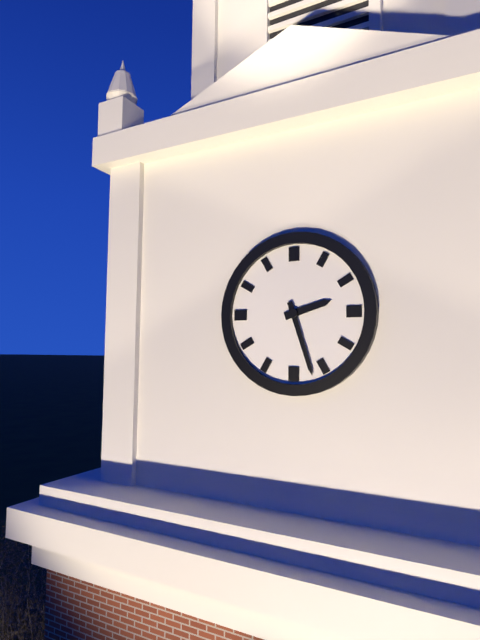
2,27
